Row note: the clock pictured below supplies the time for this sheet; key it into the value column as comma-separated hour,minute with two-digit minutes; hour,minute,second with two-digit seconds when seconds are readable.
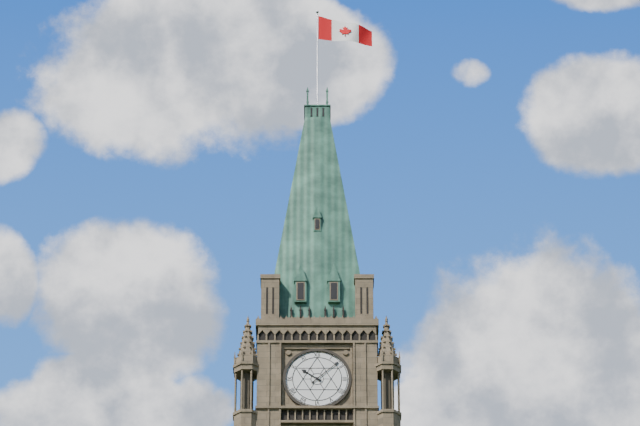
10,08
